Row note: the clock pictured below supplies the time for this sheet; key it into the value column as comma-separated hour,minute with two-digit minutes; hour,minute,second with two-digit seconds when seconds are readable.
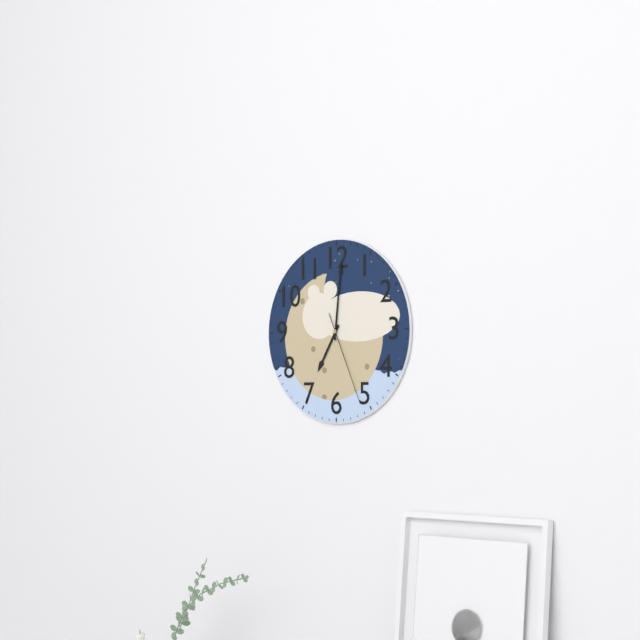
7,01,26
